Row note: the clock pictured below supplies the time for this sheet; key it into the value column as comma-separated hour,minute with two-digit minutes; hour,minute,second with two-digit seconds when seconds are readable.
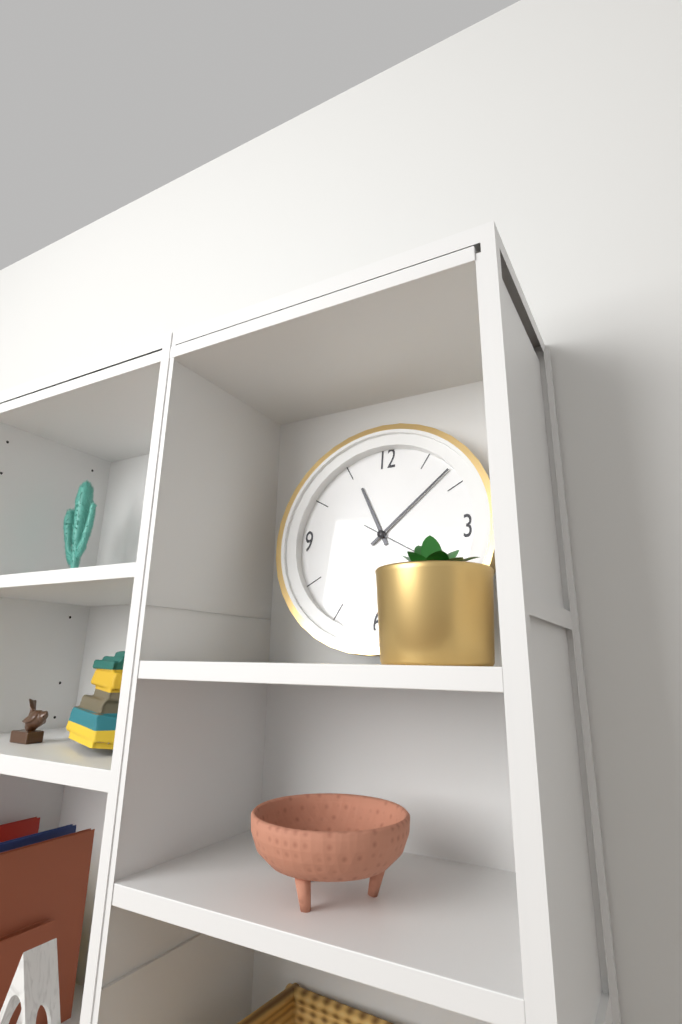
11,08
